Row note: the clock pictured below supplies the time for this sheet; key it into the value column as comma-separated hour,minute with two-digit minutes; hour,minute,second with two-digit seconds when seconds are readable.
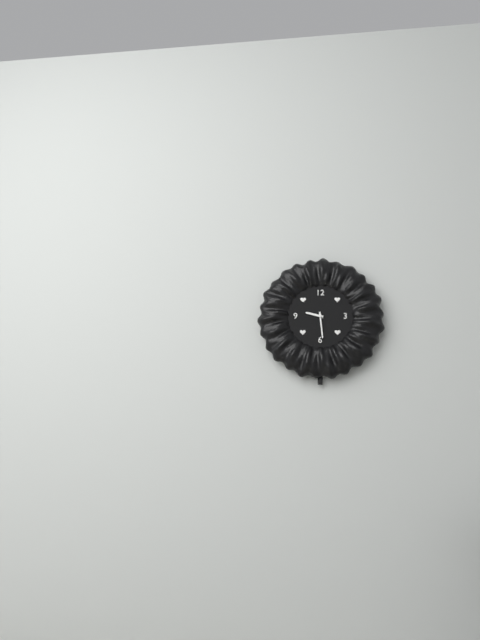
9,29
